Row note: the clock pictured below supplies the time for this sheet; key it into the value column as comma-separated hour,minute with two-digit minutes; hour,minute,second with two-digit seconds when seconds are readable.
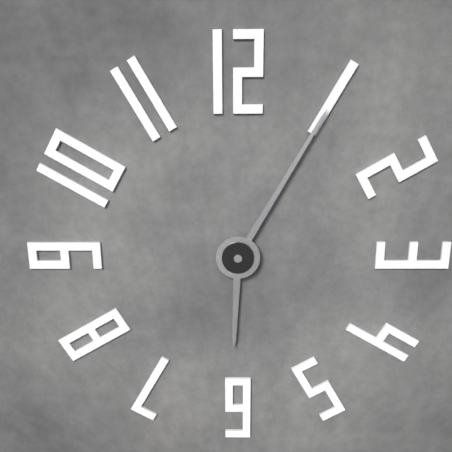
6,05
